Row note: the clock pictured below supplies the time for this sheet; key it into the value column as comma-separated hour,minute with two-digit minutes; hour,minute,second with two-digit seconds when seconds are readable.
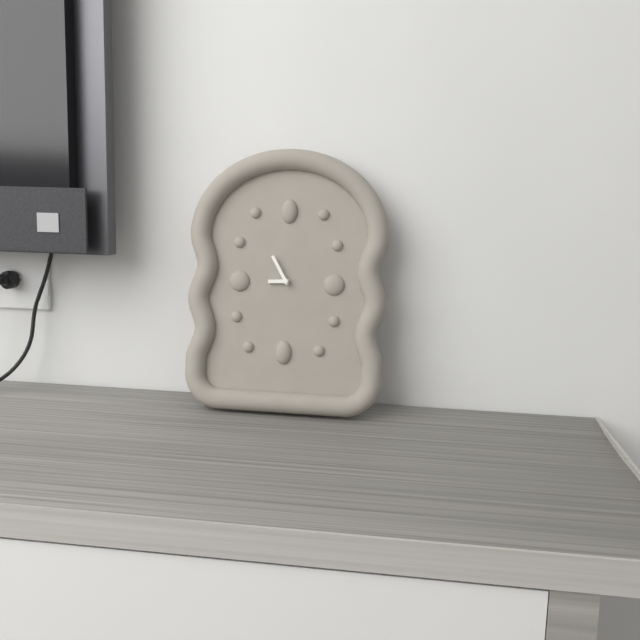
8,55
